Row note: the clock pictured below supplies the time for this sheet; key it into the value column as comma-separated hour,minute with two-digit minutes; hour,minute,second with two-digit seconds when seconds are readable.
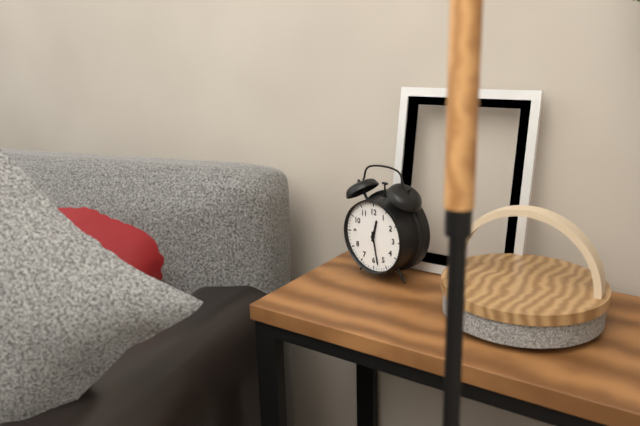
12,28
